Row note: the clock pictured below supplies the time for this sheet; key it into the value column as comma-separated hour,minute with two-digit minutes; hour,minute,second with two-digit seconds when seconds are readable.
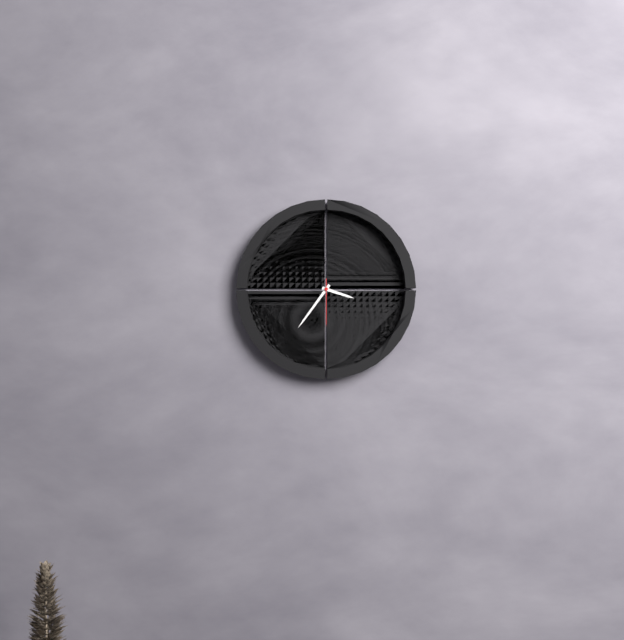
3,36
